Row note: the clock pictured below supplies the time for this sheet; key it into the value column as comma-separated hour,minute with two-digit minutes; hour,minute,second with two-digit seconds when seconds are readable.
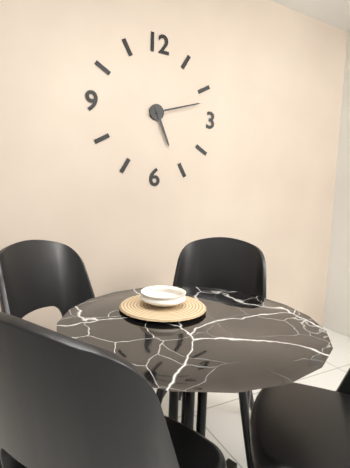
5,12
